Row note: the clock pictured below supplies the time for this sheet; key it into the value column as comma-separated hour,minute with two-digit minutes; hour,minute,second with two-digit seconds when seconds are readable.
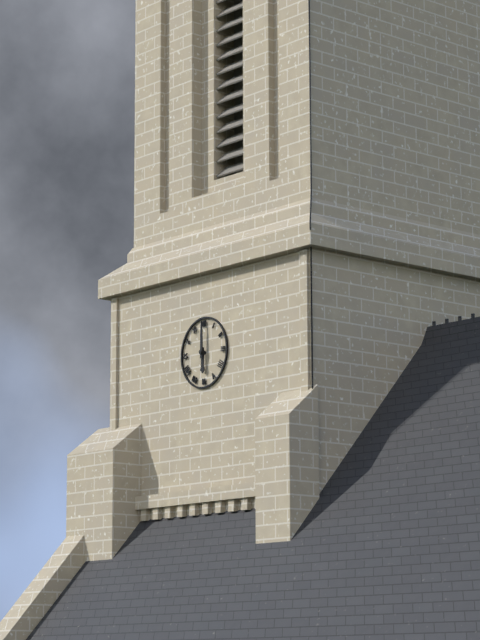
6,00
